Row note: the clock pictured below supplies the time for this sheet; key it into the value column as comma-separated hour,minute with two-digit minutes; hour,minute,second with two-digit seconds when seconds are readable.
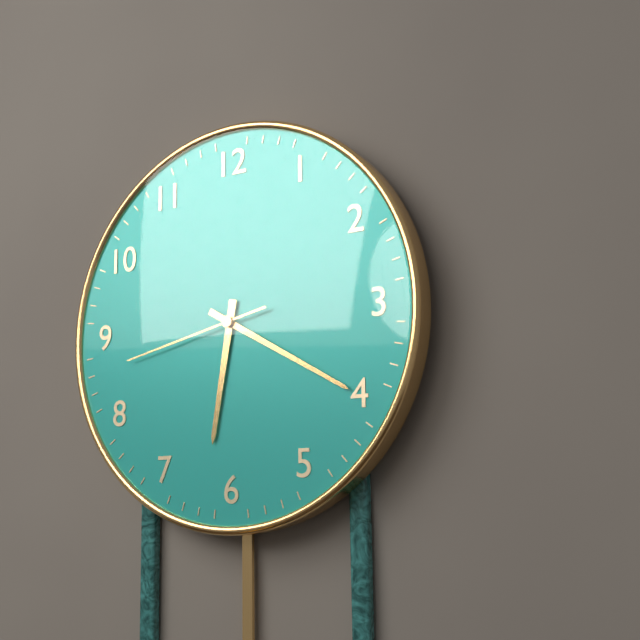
6,20,43
